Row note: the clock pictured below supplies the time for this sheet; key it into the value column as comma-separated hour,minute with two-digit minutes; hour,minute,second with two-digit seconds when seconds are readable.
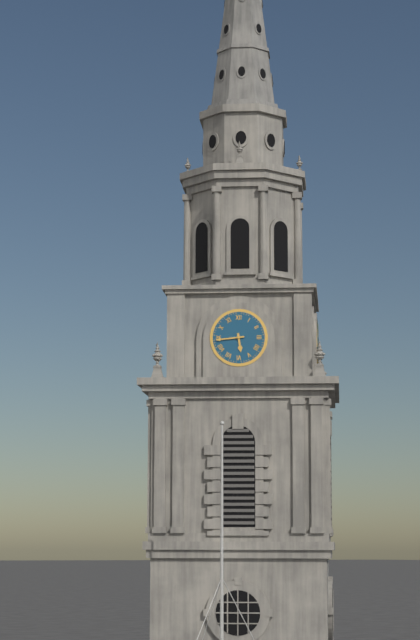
5,44
